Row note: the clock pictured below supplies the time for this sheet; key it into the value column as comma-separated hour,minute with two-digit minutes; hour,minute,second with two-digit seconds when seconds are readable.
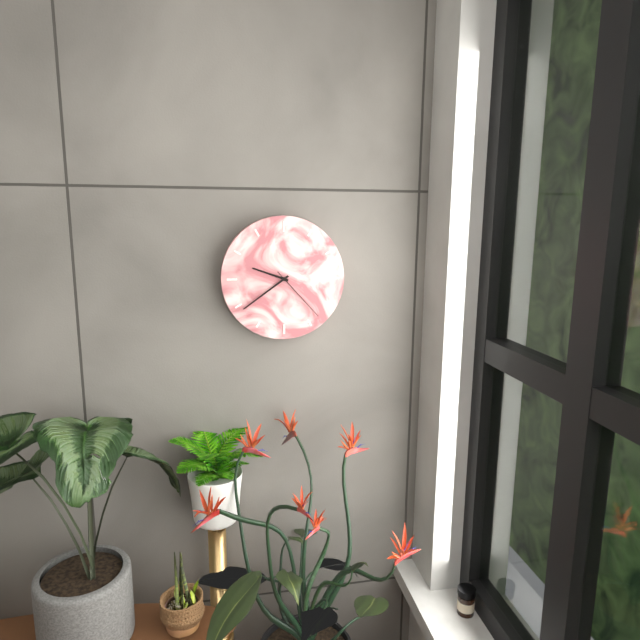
9,39,23
